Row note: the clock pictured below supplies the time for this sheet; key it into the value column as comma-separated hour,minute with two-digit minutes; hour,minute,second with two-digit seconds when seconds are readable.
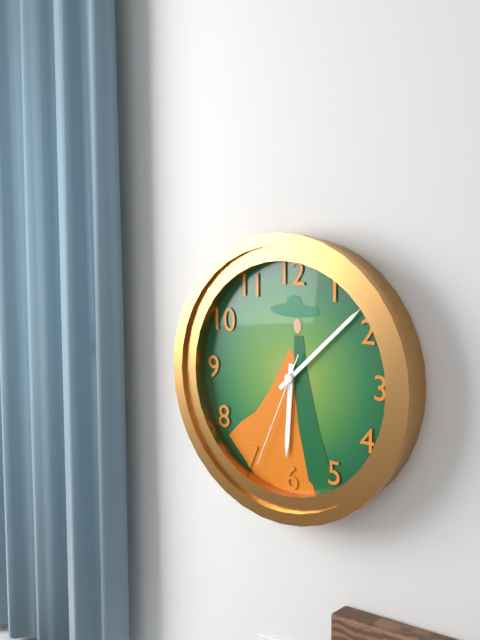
6,08,34
